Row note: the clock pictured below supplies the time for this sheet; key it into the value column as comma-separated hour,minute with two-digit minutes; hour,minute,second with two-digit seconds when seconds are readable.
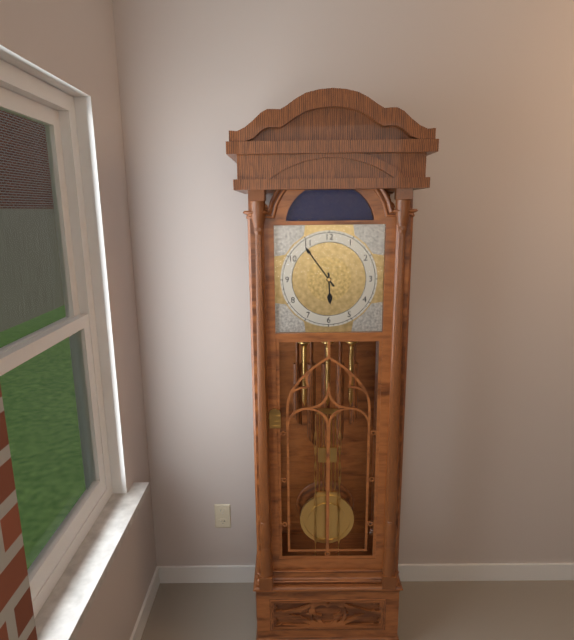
5,54
